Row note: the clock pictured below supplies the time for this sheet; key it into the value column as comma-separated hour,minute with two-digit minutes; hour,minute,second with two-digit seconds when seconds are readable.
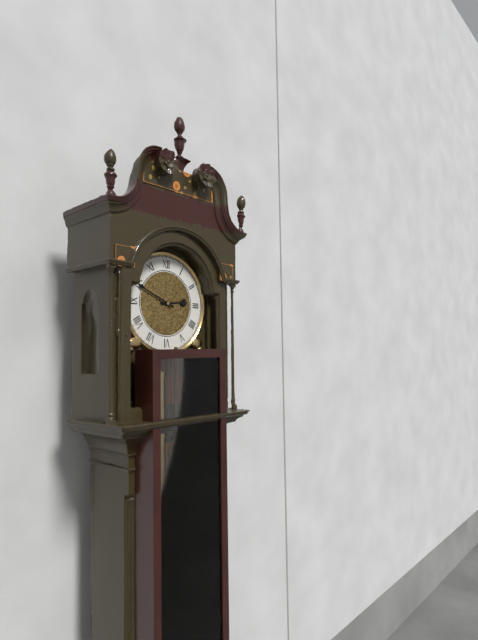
2,49
